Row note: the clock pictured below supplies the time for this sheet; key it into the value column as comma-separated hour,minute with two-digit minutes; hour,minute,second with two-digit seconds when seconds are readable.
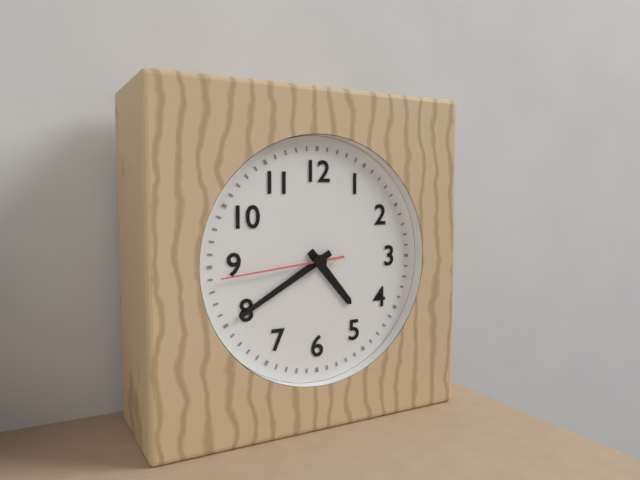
4,40,44
